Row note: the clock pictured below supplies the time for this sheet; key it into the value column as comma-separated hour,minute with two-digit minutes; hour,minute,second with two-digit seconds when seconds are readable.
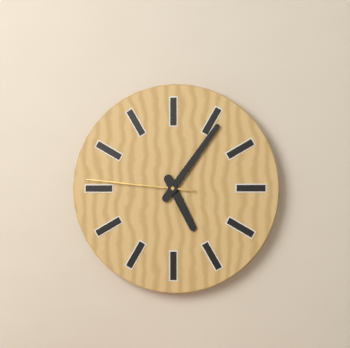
5,06,46
